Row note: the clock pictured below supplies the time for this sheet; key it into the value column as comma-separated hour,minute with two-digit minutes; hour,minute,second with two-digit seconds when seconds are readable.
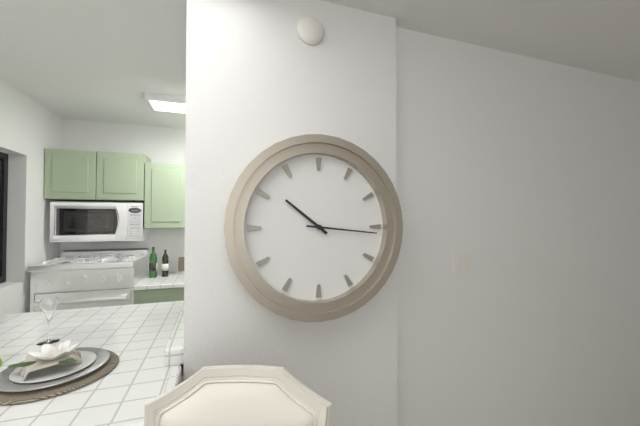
10,16
